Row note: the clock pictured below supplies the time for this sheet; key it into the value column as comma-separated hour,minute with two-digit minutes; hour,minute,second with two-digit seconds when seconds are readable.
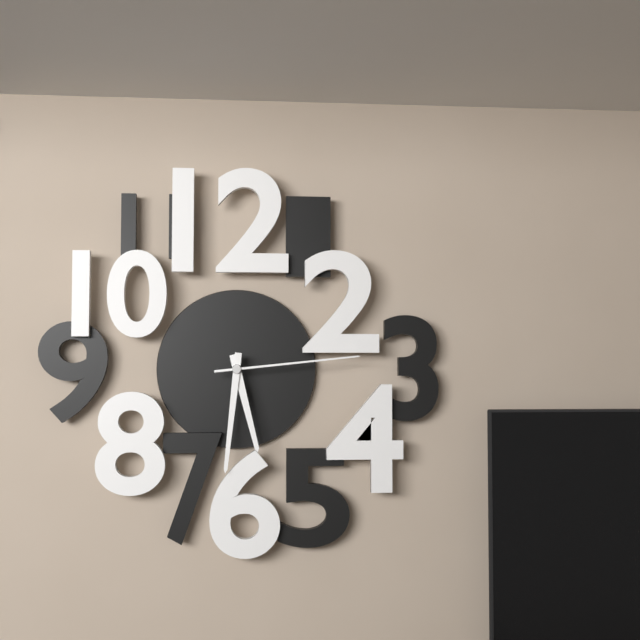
5,31,14
